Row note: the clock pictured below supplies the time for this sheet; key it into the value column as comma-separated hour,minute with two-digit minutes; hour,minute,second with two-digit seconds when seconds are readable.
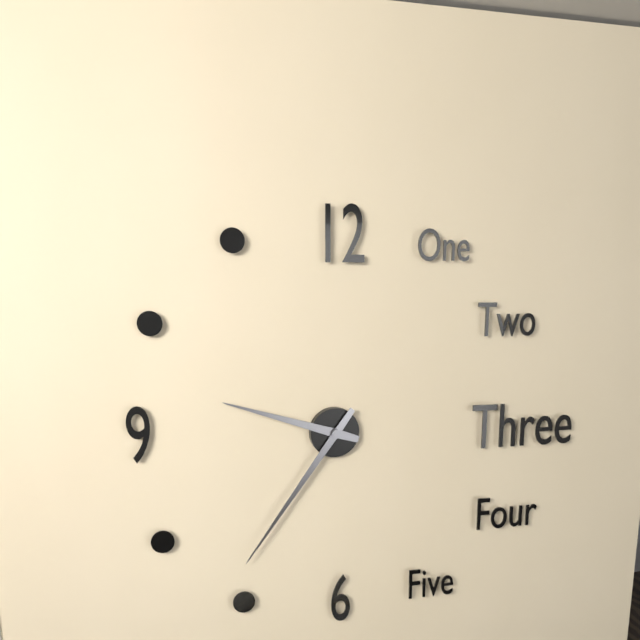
9,36
